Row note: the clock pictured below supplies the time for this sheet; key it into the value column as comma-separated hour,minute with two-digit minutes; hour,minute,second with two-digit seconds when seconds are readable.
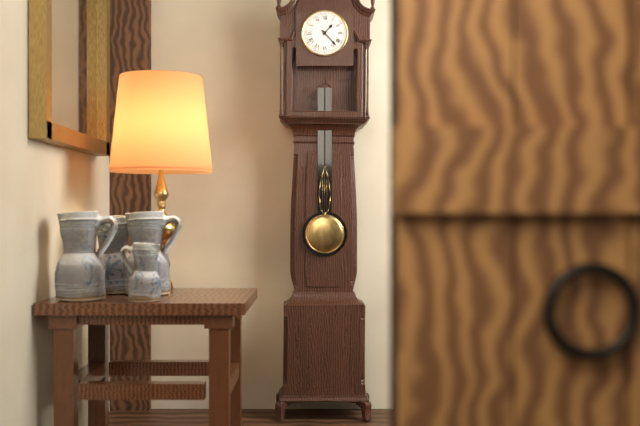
1,23
